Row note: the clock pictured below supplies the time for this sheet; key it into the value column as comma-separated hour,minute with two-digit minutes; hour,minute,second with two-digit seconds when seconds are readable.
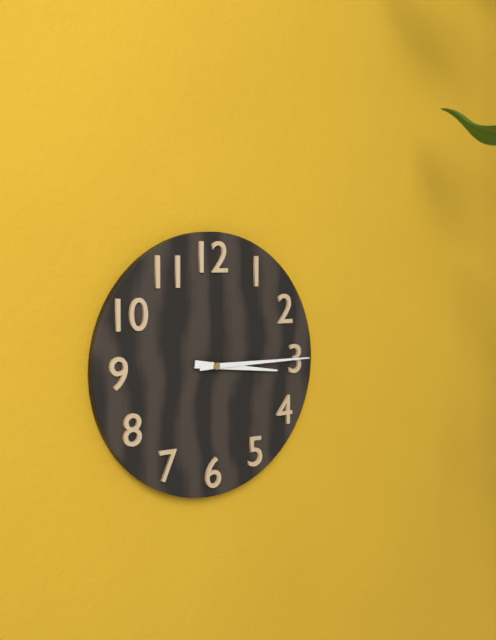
3,15
